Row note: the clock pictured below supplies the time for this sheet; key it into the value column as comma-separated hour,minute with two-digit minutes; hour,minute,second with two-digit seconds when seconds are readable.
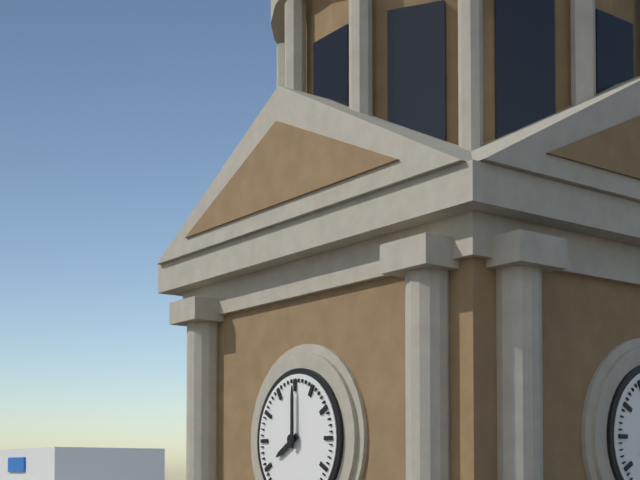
8,00
